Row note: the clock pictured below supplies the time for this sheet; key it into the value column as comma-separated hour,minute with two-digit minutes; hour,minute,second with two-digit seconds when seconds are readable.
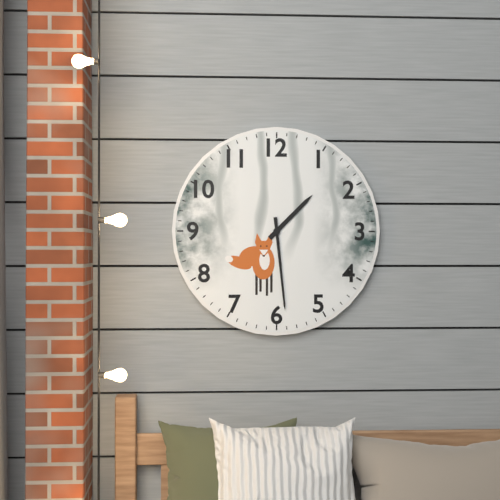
1,29
